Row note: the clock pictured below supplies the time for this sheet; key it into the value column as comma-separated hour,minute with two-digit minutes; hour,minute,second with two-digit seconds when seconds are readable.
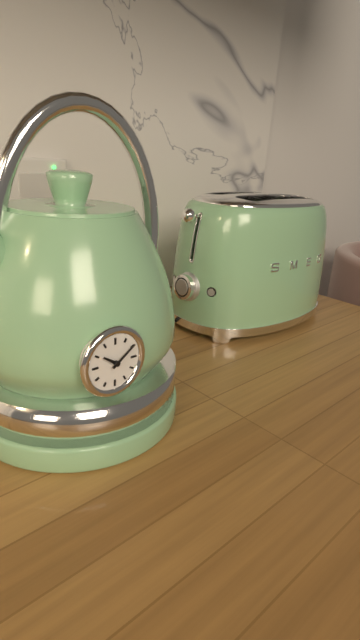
10,09
